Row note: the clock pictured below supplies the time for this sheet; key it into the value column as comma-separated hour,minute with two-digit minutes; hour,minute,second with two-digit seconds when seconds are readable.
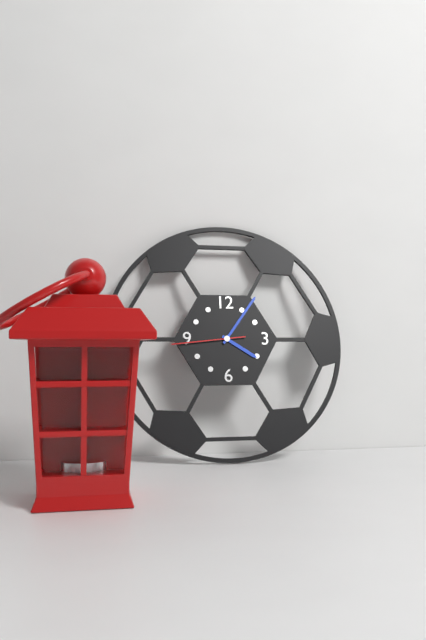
4,06,44
